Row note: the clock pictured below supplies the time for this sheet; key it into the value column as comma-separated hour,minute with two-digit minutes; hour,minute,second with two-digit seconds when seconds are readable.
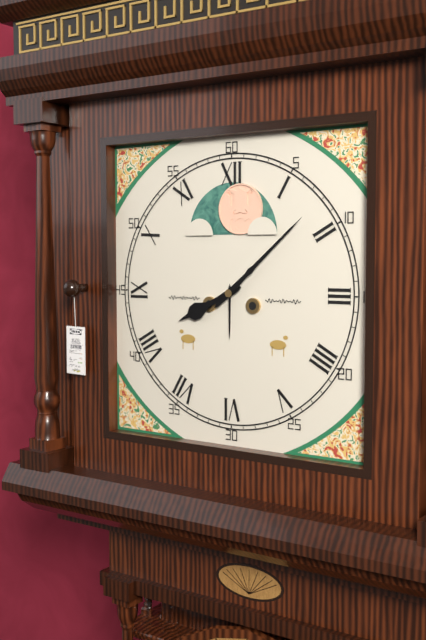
8,08
